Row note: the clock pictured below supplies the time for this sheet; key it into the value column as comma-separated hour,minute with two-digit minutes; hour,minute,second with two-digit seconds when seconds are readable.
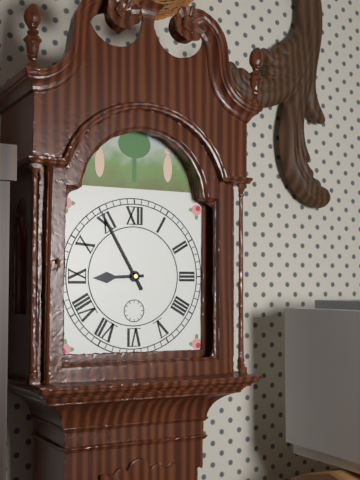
8,55
